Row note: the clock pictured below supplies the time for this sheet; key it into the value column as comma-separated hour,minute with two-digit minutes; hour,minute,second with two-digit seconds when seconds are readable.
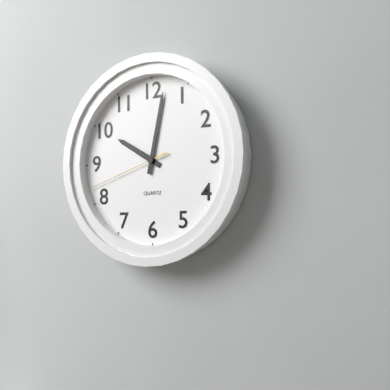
10,02,42
